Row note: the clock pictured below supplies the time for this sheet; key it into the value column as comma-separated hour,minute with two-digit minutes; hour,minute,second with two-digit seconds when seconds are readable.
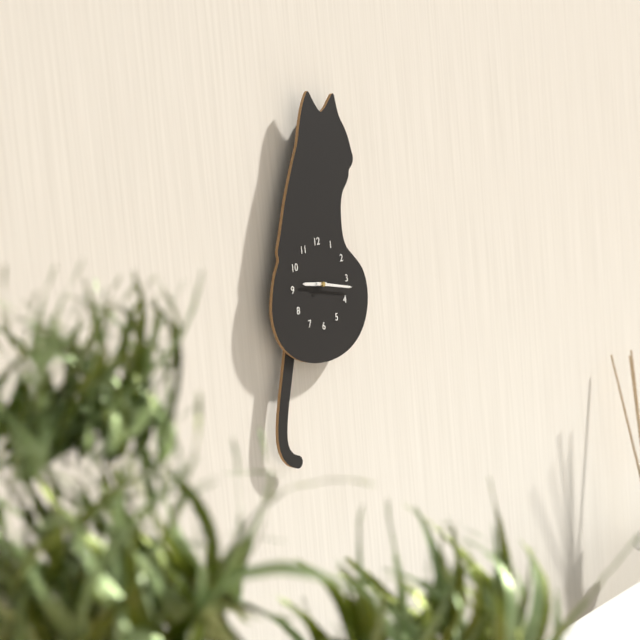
9,17
